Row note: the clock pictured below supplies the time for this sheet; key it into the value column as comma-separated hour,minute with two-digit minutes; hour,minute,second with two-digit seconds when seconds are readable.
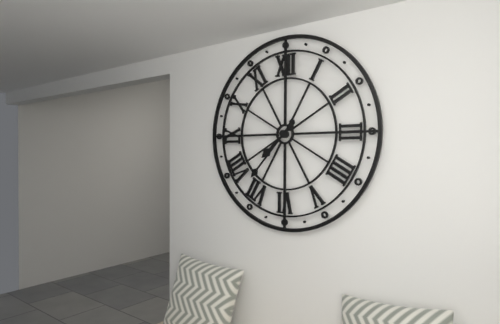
7,37
